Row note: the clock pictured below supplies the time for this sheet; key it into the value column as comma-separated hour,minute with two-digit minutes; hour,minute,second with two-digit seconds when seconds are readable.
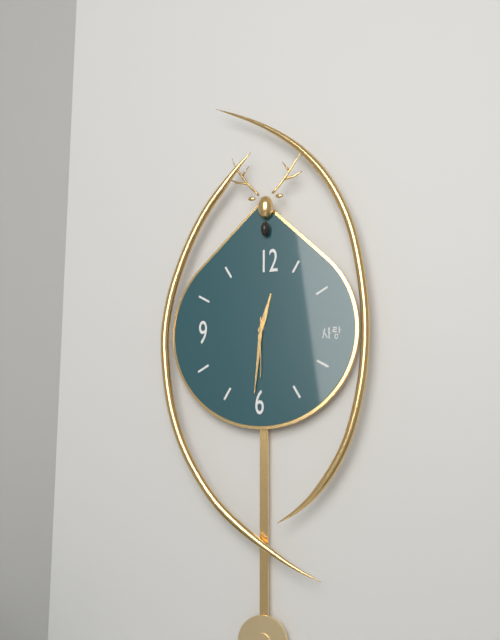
12,31,30
